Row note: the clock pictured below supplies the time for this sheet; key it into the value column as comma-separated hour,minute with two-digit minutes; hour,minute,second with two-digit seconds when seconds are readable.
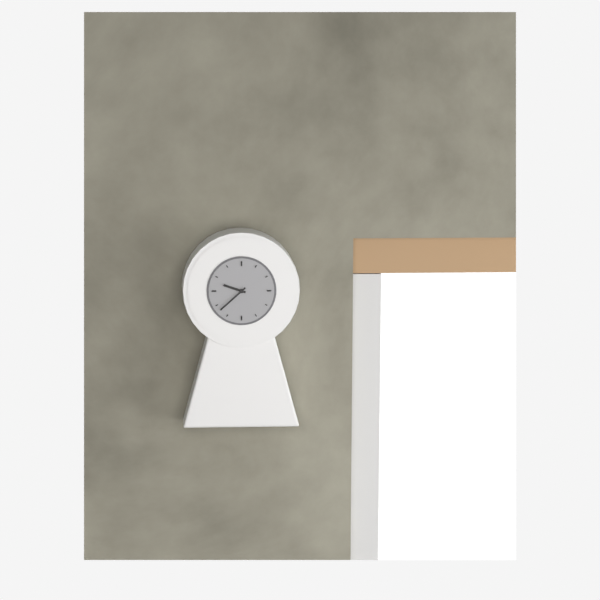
9,38
